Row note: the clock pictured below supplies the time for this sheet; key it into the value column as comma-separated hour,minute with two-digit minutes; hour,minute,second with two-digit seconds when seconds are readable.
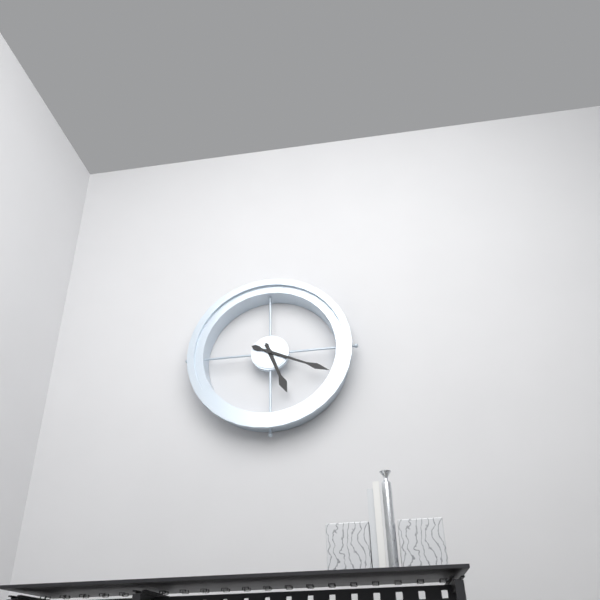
5,19
